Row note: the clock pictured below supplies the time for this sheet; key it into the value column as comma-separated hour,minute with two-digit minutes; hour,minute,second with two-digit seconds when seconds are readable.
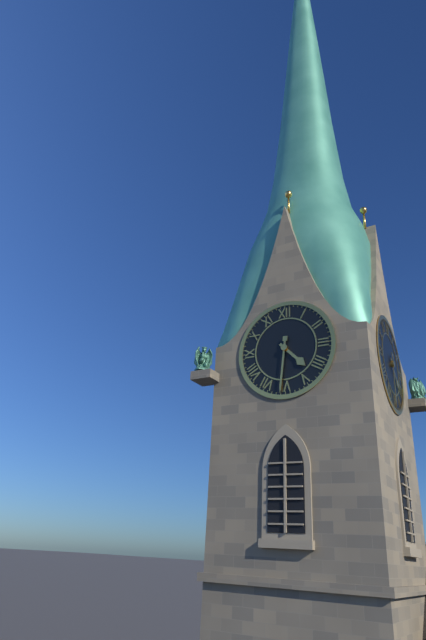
4,31
